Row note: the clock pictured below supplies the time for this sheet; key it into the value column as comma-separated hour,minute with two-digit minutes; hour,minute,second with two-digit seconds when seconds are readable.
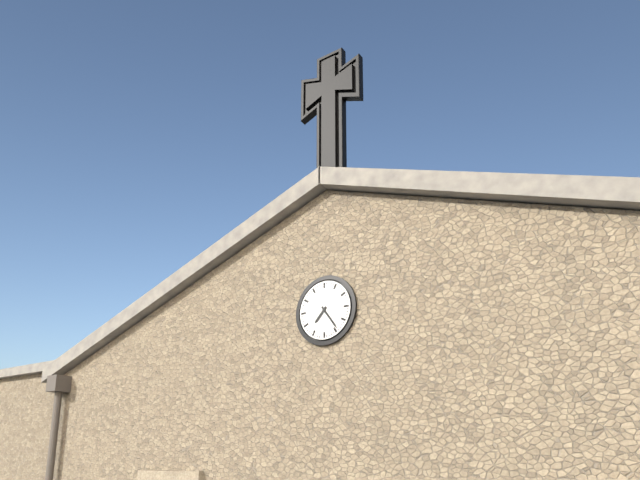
7,24
